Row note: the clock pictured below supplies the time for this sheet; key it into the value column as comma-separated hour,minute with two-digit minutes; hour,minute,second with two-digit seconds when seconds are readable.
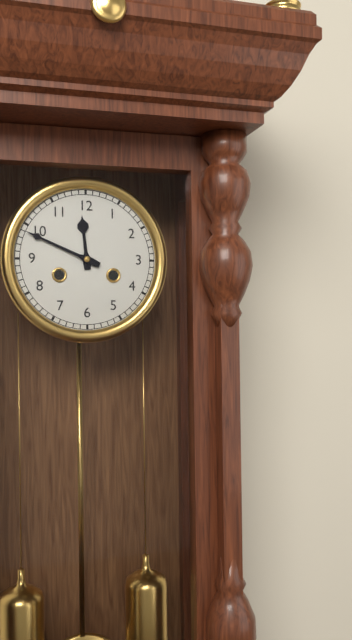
11,49
